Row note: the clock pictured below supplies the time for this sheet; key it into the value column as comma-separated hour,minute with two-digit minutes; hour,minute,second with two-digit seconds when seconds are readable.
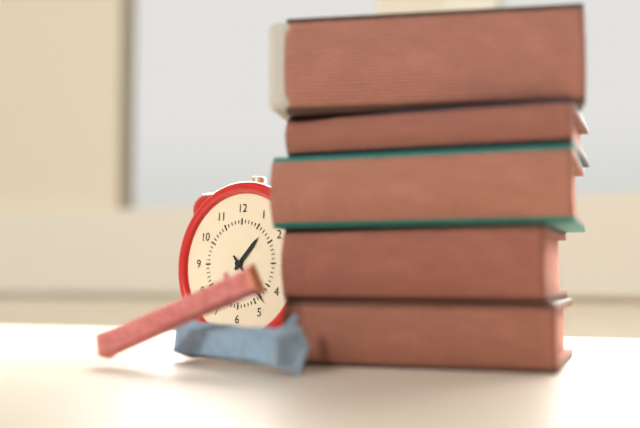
1,23
